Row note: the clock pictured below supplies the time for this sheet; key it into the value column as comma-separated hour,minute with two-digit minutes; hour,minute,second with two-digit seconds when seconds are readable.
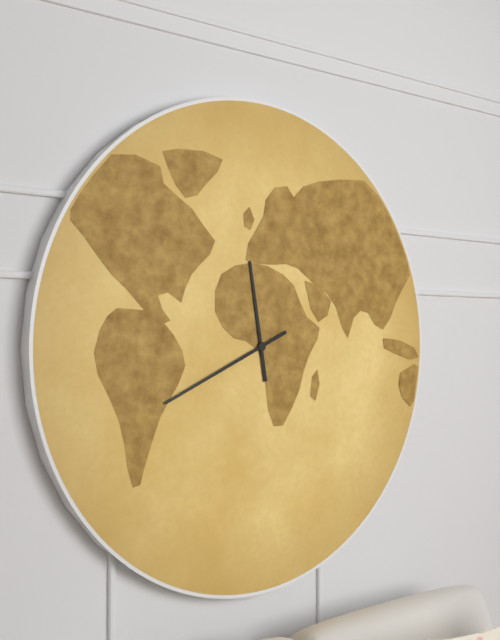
11,41
